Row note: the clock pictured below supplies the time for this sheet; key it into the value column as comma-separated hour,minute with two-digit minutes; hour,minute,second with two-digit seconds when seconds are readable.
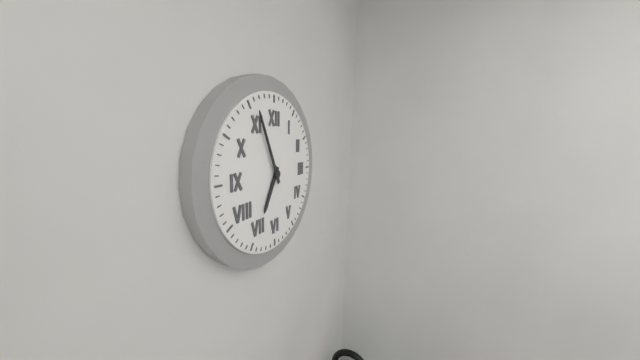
6,56
